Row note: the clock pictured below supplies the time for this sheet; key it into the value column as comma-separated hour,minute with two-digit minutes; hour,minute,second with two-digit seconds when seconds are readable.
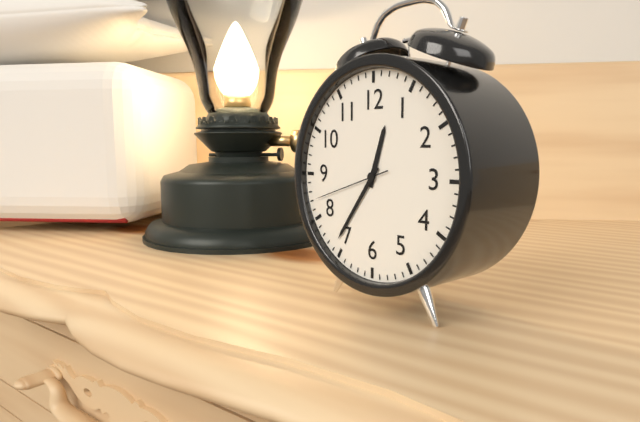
12,36,42
